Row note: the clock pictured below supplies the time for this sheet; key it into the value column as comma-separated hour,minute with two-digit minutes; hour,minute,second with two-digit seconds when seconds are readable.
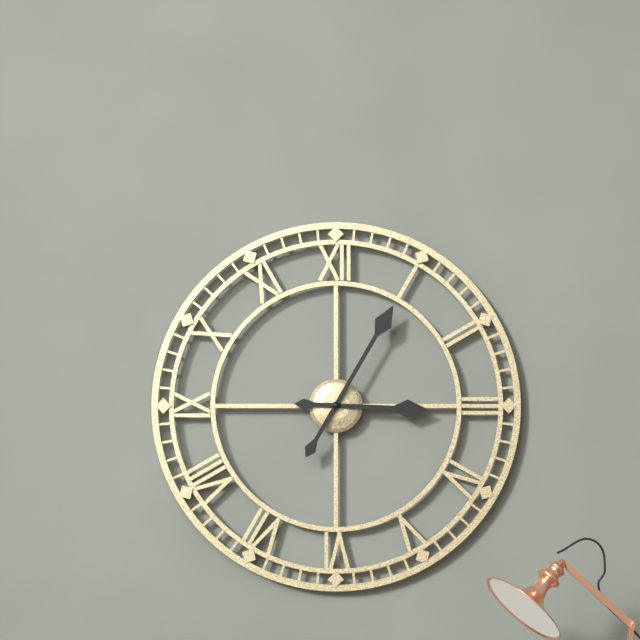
3,05
